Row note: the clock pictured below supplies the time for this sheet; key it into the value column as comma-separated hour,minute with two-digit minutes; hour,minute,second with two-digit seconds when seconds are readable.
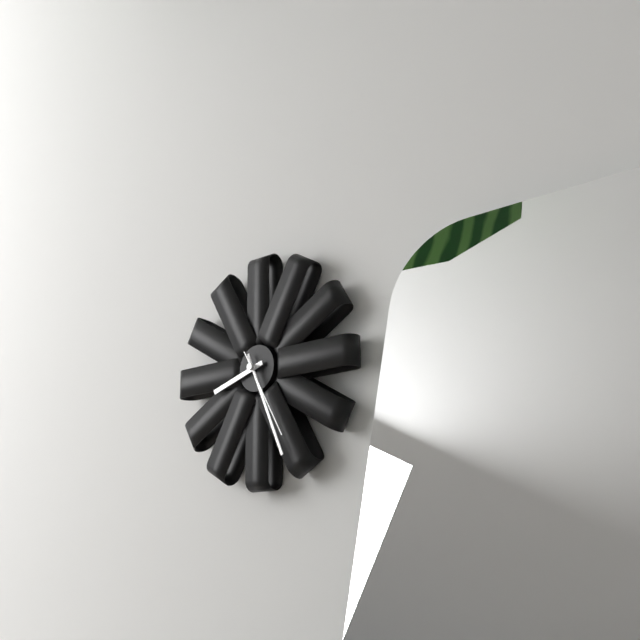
8,26,25
